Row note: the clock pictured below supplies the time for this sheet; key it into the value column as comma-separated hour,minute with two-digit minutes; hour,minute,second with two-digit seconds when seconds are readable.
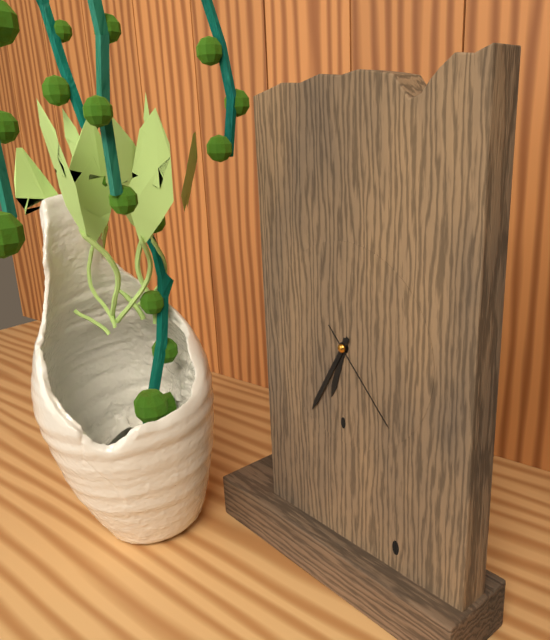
6,35,23
